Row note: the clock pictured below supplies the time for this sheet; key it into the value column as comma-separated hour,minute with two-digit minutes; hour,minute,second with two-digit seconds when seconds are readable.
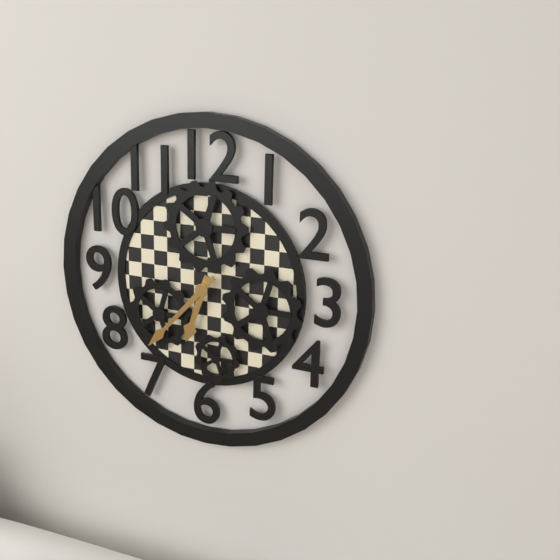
6,37
